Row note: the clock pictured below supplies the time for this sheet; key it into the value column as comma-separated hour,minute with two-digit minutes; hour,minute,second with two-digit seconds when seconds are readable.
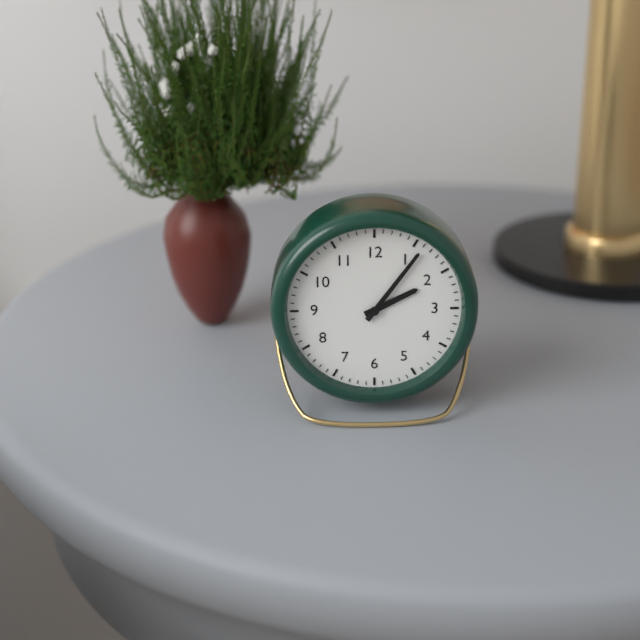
2,06
